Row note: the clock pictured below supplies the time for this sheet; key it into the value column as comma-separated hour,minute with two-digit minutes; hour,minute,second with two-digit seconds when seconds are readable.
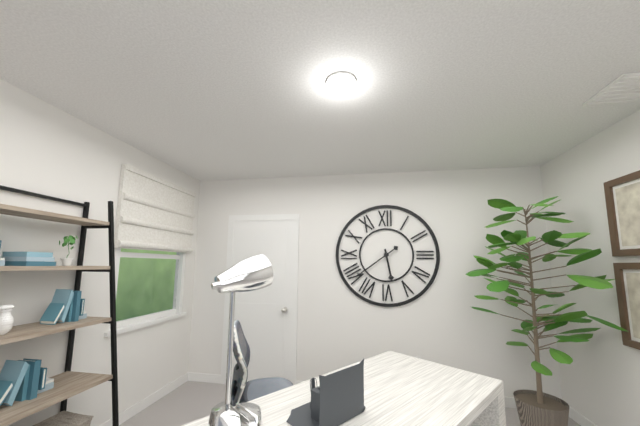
5,39
